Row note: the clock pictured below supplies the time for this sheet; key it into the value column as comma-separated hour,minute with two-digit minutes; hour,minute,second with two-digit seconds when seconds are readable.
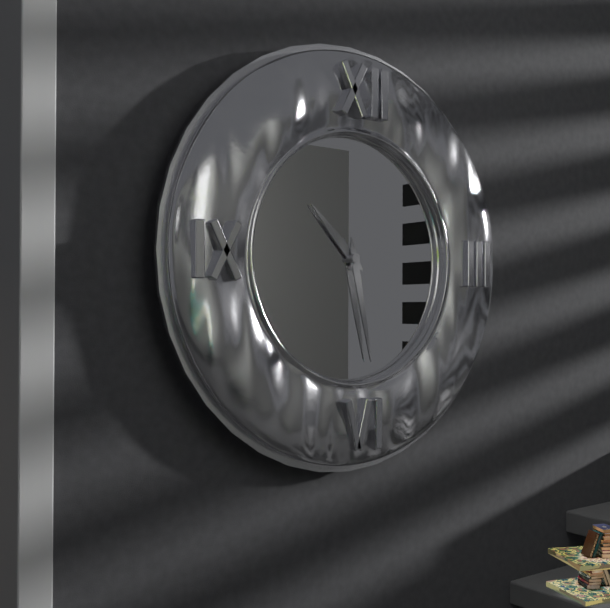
10,28
